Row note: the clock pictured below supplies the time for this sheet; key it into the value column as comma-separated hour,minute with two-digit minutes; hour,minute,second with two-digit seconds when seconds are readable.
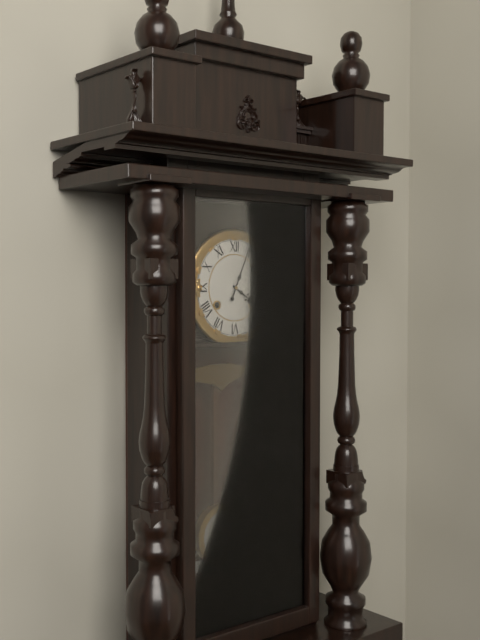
4,04
